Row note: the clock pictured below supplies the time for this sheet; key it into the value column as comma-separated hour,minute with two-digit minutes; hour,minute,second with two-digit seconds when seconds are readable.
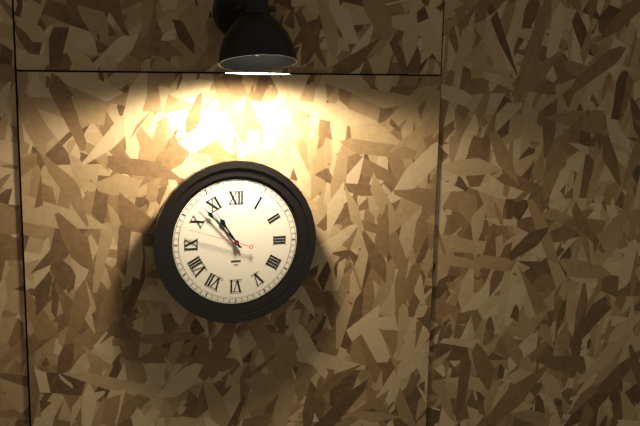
10,53,48
